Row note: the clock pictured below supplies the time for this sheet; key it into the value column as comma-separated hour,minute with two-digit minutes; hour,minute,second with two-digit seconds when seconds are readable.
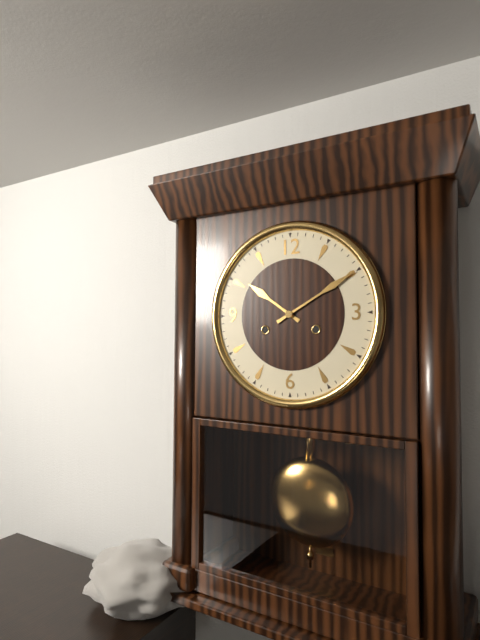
10,10
